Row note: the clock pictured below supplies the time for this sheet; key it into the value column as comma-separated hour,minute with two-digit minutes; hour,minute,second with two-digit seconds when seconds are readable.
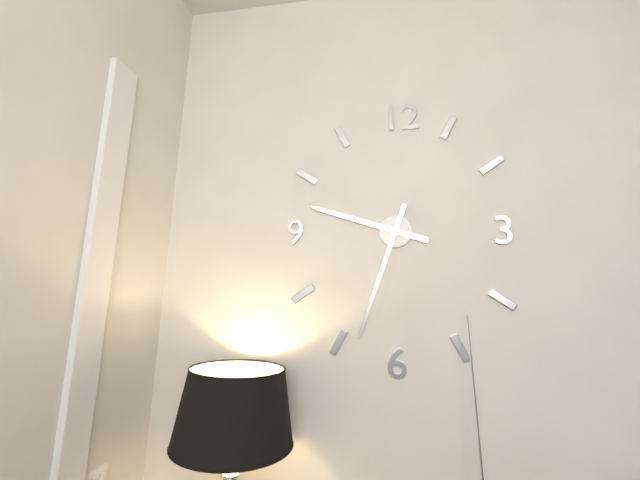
9,33
